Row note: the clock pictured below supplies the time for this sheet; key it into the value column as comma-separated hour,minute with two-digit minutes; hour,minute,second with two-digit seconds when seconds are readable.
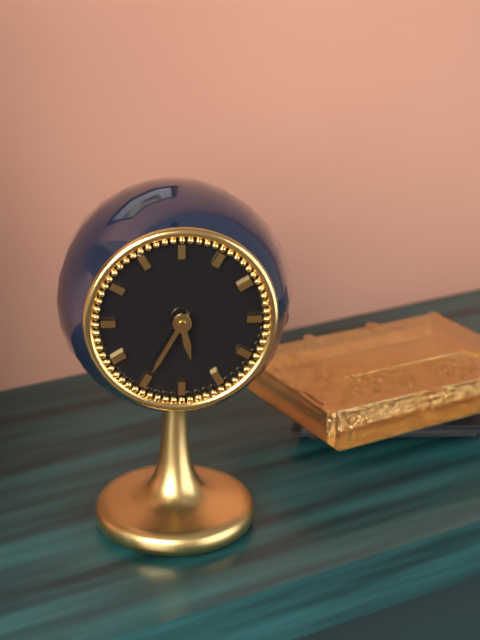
5,35
